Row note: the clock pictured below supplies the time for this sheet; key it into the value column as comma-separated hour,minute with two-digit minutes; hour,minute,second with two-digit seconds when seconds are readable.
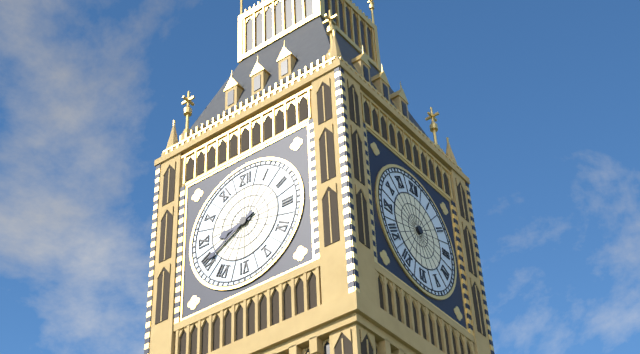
8,40
